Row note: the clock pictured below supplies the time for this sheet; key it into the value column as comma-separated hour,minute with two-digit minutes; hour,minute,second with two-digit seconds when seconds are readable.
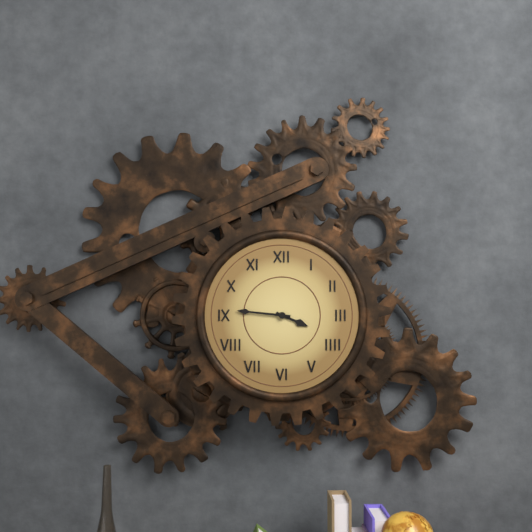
3,46
